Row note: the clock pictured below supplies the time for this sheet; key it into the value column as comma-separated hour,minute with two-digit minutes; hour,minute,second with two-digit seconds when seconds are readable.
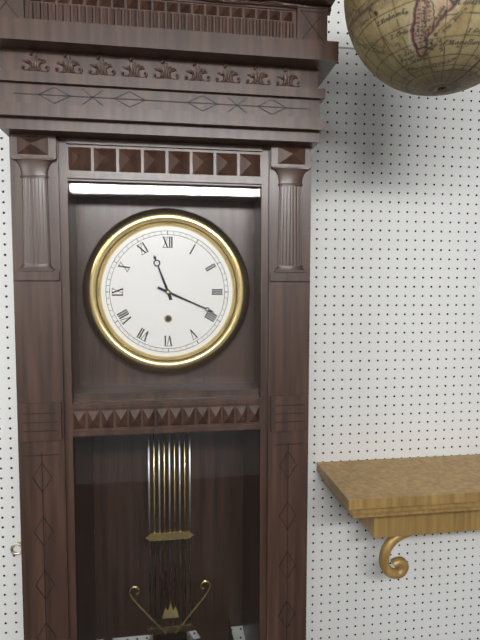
11,19
